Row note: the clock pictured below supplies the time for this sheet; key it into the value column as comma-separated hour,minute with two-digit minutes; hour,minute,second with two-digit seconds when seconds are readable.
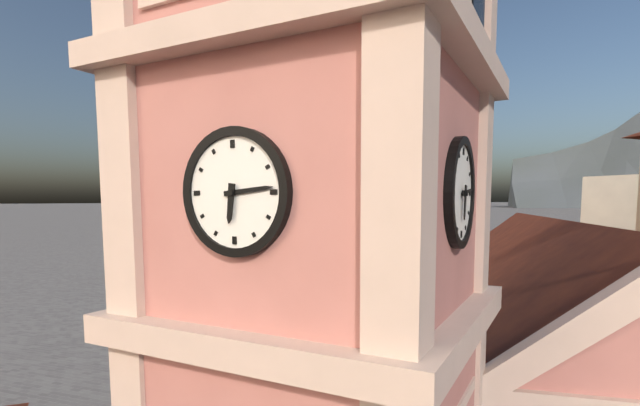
6,14
